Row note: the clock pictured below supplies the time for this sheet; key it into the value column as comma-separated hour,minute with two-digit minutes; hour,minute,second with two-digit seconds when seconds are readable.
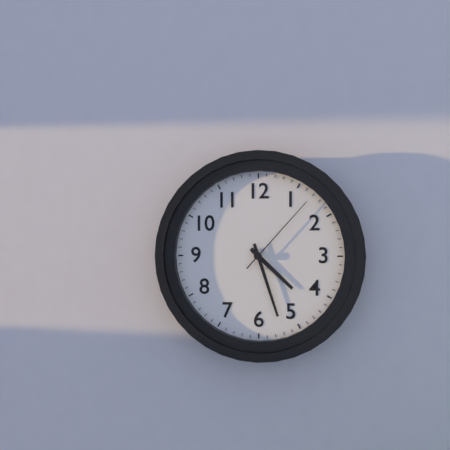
4,27,07
